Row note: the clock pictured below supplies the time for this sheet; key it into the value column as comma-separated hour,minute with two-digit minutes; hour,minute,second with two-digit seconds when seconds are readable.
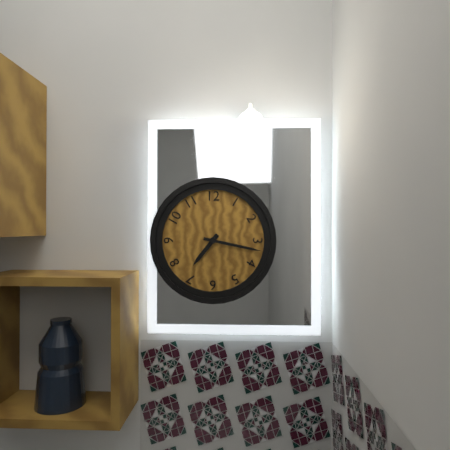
7,17
